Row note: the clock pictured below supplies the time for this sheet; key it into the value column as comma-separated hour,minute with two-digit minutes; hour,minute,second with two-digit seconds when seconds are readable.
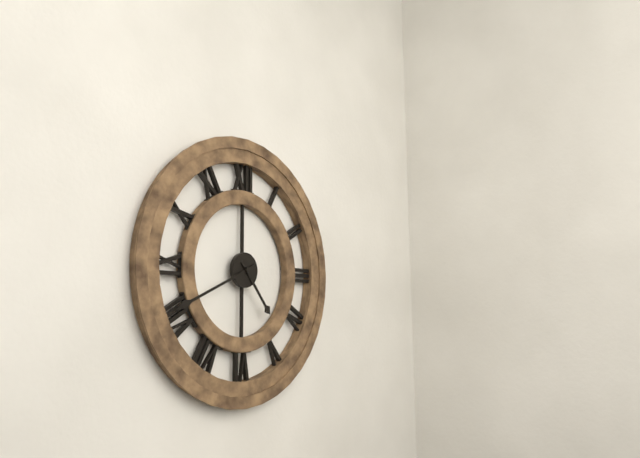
4,41
